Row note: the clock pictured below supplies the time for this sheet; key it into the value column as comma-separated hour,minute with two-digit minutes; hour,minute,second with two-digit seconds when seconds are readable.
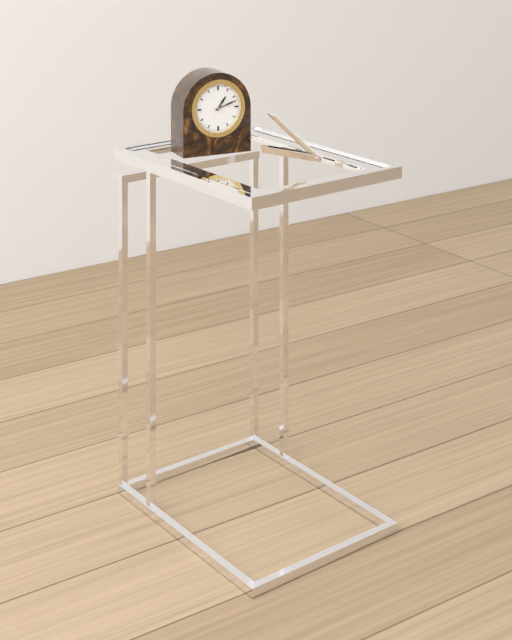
1,12
